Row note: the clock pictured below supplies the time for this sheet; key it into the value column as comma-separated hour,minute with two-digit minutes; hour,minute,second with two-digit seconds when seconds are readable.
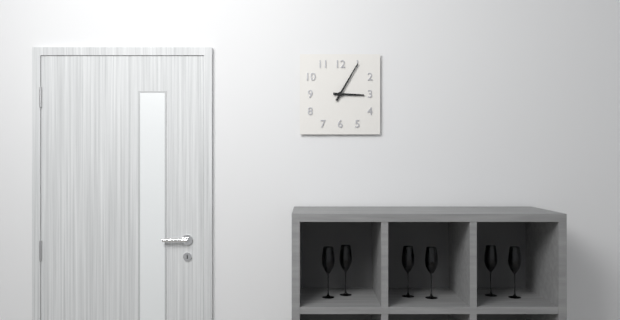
3,05
